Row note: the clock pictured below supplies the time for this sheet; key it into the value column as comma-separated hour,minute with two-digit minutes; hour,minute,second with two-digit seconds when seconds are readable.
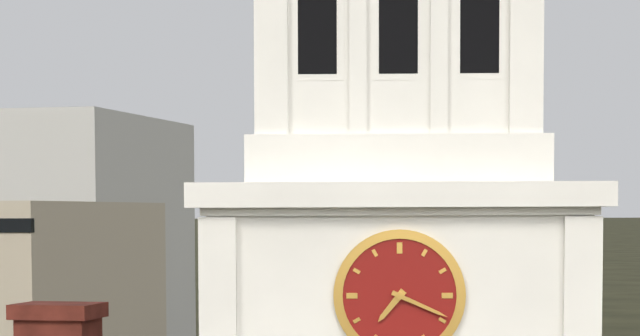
7,19
